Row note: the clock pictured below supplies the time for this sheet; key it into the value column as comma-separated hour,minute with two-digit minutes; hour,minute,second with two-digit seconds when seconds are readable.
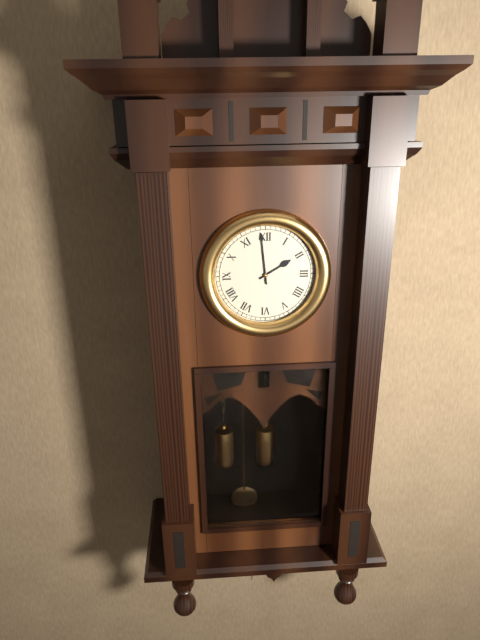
1,59
